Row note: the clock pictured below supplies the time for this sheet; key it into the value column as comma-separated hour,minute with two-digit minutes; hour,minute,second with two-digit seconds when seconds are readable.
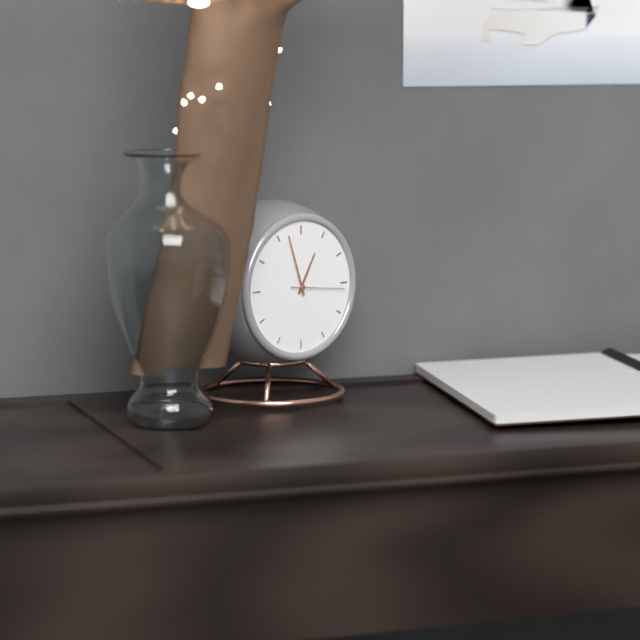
12,57,16
